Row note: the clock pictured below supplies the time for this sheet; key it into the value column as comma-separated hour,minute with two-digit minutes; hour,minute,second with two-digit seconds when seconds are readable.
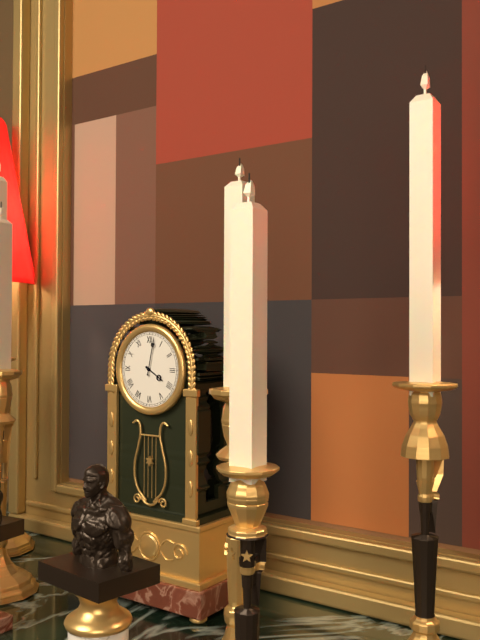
4,02
